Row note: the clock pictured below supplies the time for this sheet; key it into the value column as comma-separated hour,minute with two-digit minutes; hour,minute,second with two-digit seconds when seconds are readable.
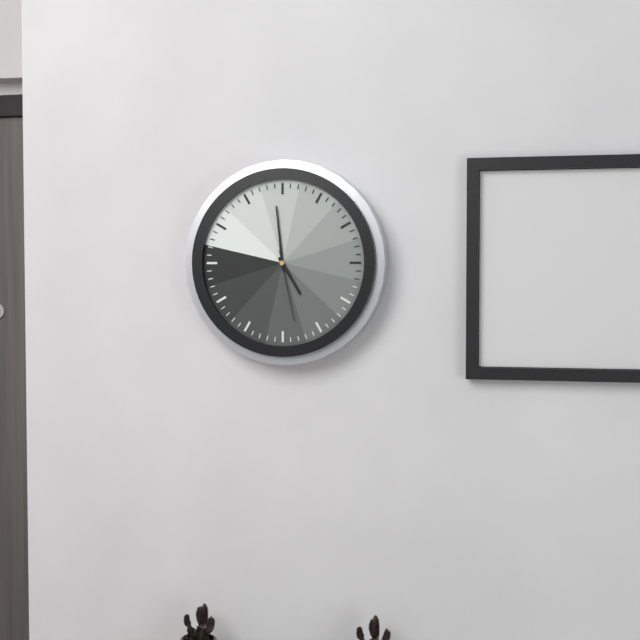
4,59,28
